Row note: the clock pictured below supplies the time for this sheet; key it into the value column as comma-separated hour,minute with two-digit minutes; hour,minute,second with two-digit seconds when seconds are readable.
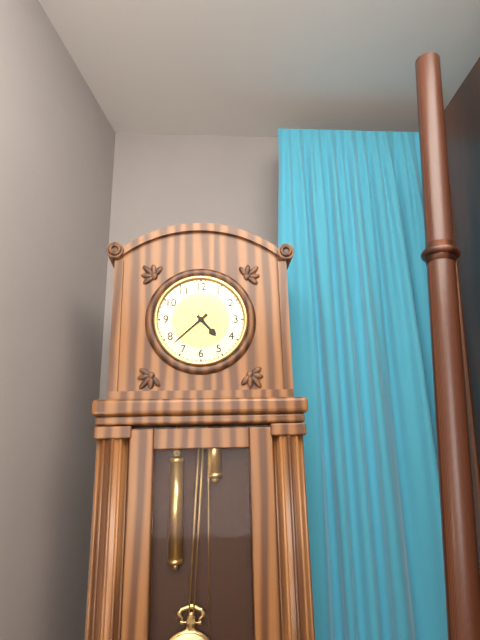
4,38
